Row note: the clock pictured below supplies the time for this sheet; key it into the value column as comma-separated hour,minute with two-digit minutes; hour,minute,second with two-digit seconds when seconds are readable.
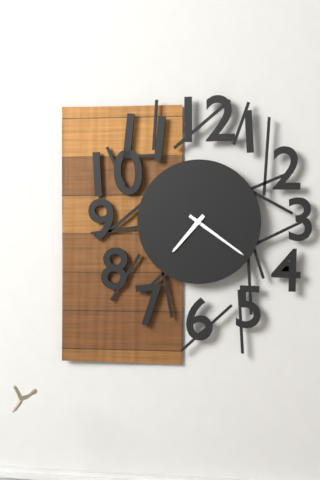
7,21
